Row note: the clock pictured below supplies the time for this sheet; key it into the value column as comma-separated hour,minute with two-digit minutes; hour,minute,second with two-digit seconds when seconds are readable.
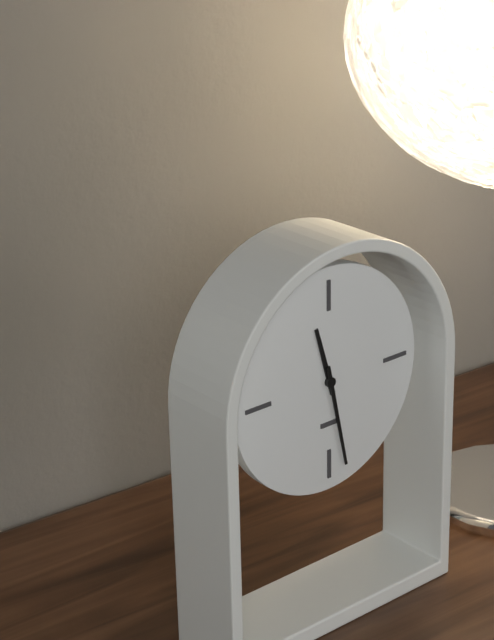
11,28
